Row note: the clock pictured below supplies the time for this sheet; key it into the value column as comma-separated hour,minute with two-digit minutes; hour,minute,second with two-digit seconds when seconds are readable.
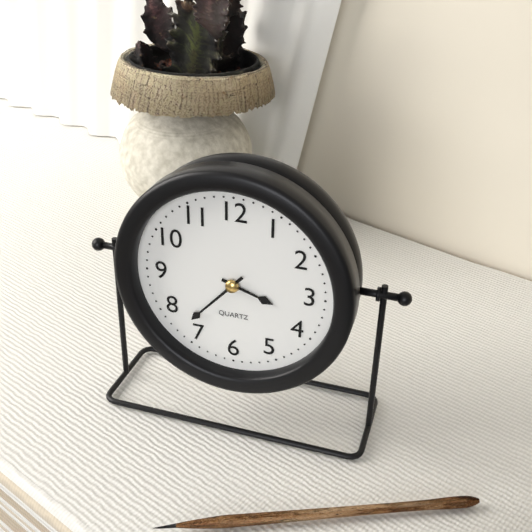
3,37
